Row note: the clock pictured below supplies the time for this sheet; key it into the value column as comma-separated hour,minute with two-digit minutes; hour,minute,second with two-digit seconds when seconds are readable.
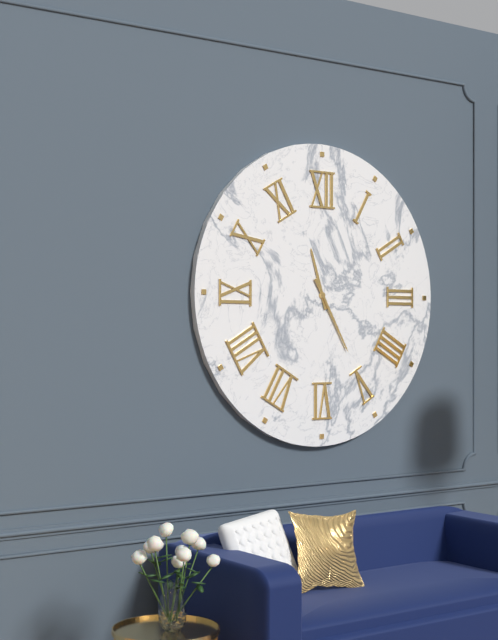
11,25
